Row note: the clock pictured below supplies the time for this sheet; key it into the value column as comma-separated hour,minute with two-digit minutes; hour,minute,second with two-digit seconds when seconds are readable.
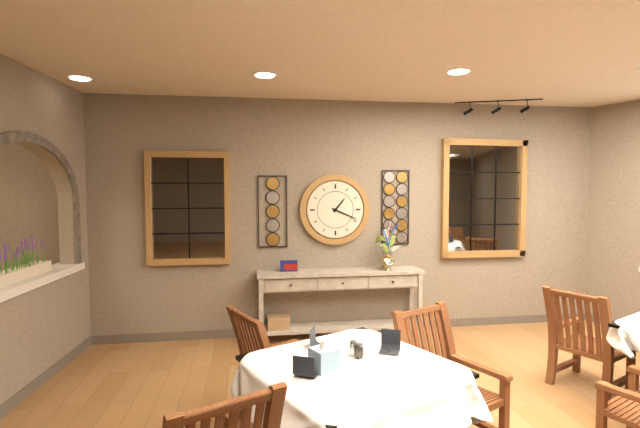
1,19
